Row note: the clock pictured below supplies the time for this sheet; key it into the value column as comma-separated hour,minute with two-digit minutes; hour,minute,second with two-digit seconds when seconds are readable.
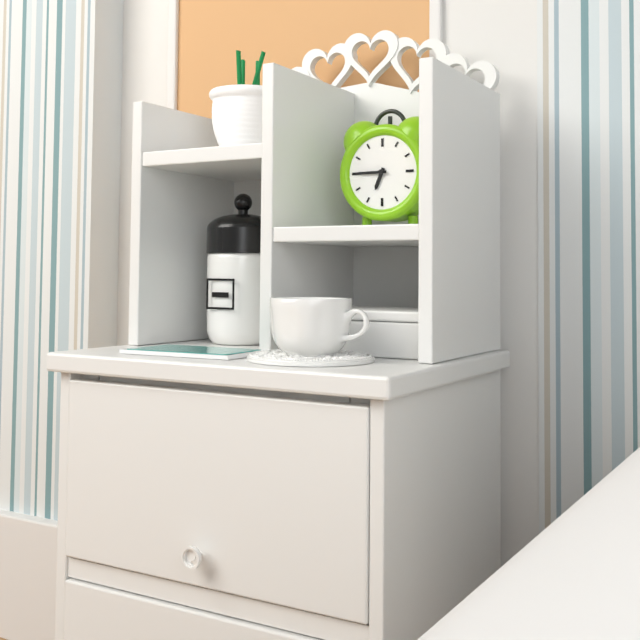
6,45
